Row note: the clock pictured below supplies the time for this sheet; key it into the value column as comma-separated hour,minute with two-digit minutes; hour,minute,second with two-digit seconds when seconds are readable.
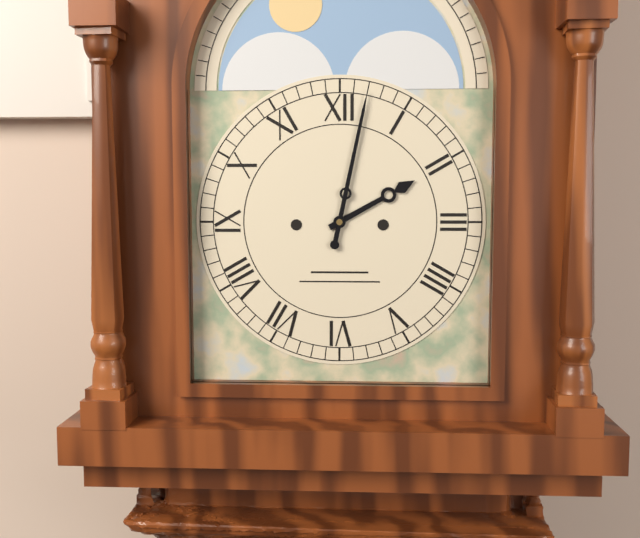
2,02
